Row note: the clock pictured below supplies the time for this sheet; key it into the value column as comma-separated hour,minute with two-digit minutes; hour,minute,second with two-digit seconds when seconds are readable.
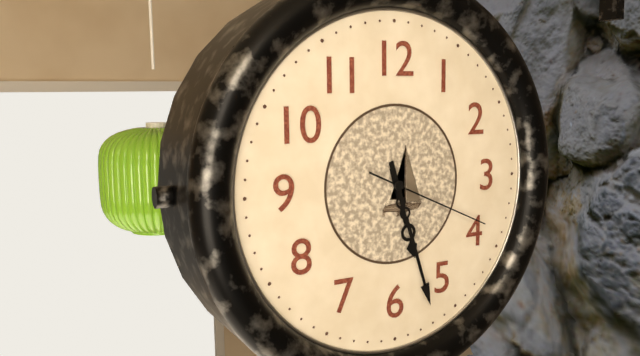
5,27,19
